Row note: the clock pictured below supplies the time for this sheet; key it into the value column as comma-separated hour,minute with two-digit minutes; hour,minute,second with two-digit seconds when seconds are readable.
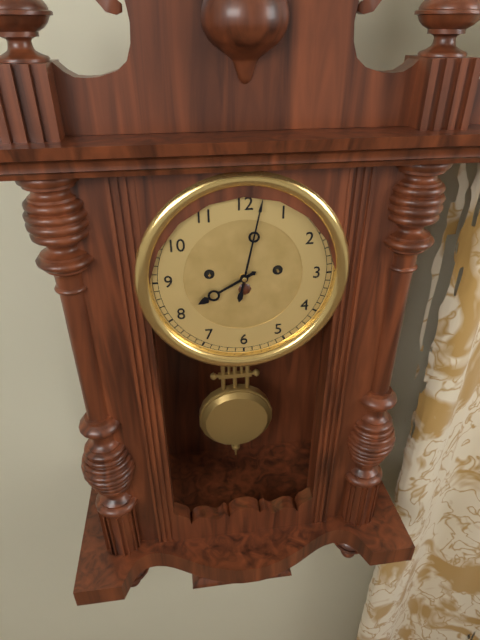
8,02
